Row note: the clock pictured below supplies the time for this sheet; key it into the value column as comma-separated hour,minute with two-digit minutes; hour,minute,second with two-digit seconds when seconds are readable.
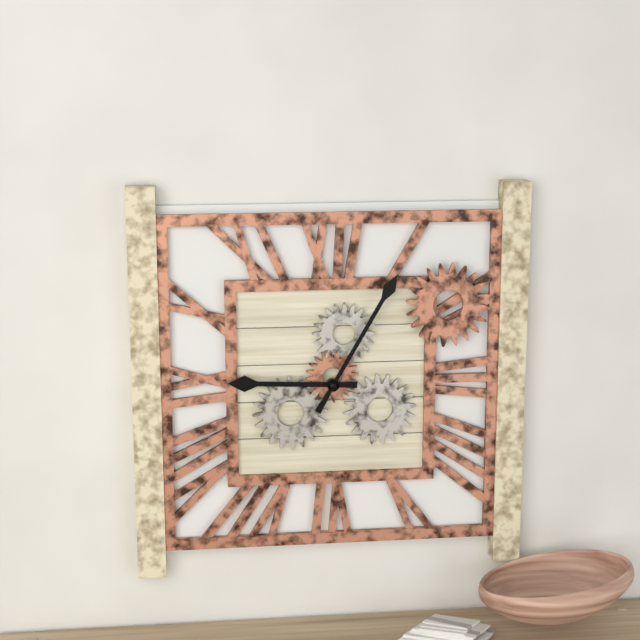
9,05
